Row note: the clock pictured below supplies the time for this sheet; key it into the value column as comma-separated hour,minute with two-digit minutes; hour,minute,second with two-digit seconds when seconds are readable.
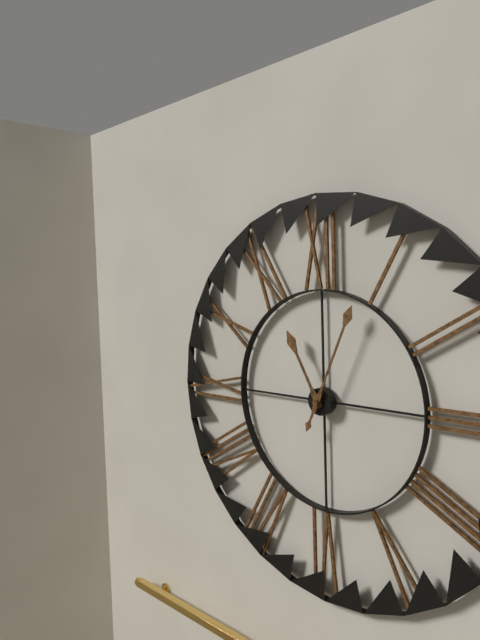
11,04
